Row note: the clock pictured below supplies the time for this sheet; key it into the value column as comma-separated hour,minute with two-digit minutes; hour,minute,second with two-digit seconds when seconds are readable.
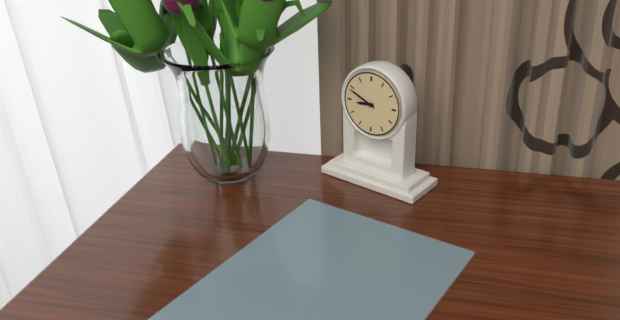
8,49
